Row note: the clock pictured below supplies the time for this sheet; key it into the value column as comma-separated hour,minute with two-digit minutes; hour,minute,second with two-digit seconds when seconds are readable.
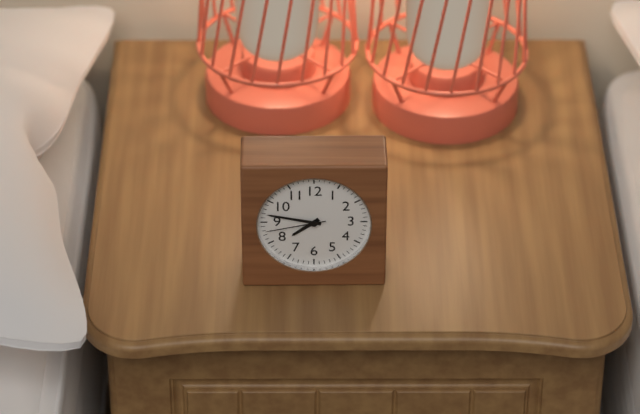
7,47,43
